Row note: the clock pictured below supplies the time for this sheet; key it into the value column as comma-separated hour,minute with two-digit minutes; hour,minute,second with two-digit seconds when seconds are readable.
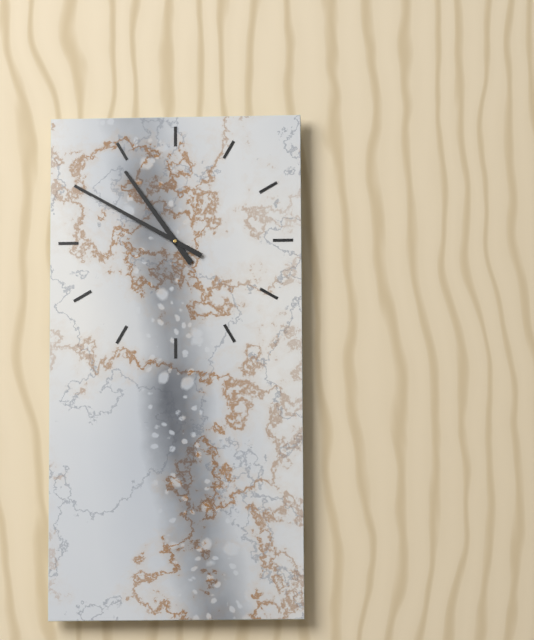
10,50
